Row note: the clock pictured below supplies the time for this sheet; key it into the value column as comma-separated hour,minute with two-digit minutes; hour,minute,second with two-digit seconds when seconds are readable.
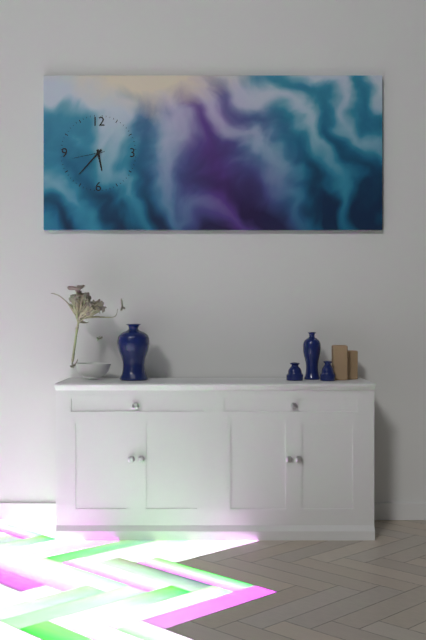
5,37
